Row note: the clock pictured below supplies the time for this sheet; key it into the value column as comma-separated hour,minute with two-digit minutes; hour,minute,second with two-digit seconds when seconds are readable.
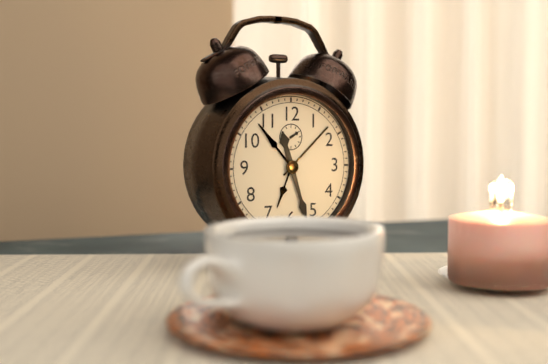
11,27
